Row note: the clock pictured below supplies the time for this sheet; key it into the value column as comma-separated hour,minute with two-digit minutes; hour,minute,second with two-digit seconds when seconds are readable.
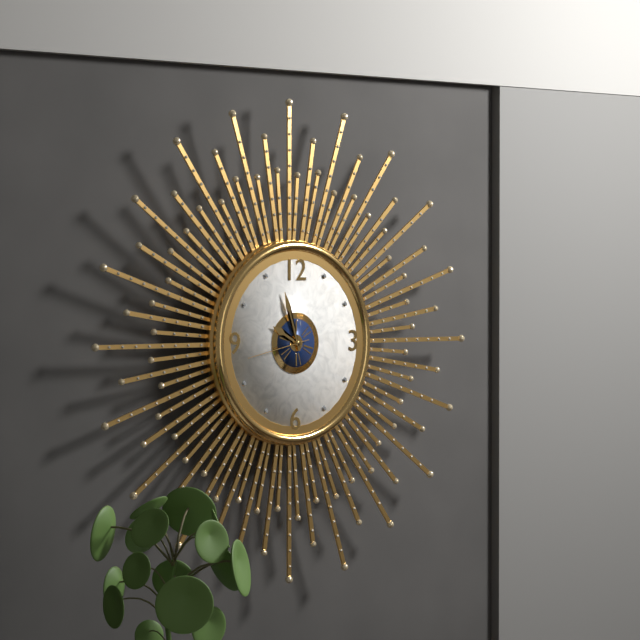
9,57,43
